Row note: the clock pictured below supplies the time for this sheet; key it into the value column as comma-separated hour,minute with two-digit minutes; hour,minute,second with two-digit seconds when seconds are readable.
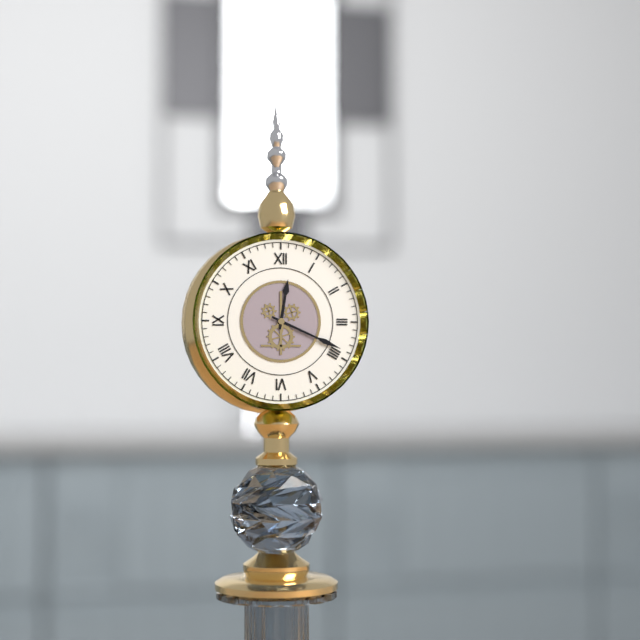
12,19
